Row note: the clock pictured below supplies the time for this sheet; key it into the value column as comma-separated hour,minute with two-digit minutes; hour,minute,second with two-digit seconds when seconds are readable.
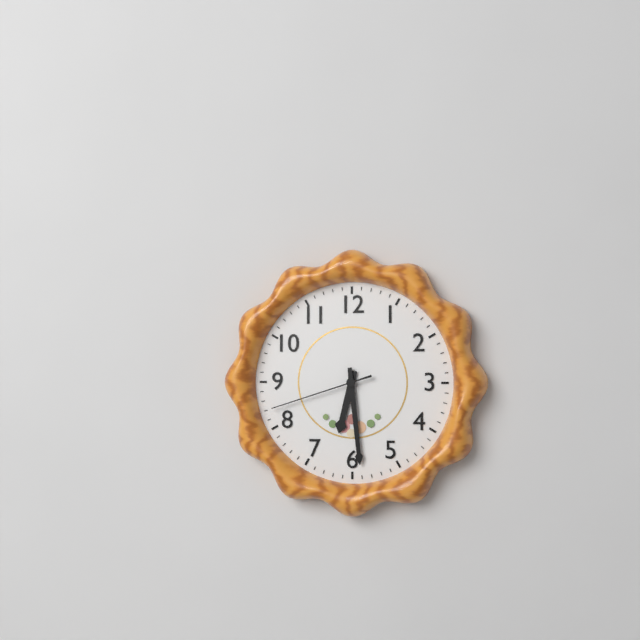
6,29,42
